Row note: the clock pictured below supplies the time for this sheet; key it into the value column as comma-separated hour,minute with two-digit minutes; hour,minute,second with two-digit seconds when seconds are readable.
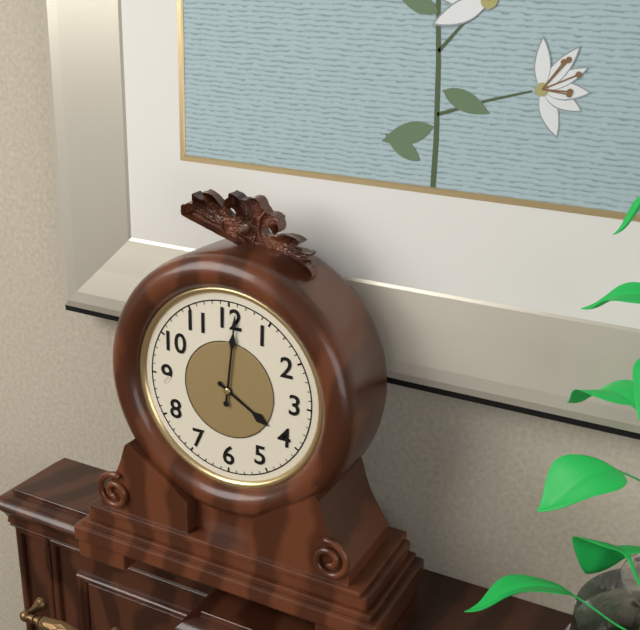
4,01
